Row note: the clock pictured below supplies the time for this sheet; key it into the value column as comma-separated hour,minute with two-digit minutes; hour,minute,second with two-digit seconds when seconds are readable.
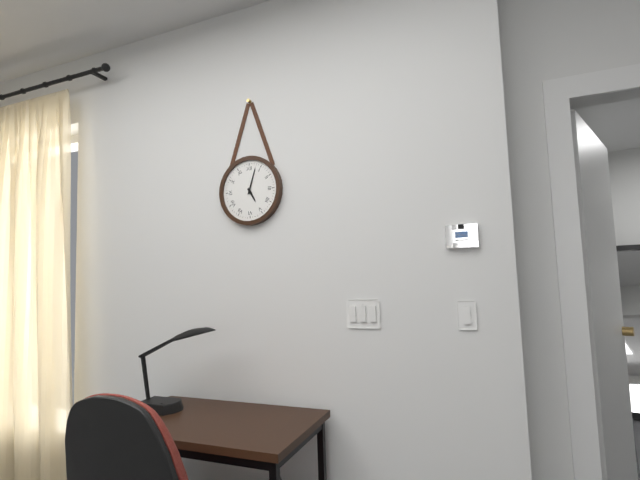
5,03
